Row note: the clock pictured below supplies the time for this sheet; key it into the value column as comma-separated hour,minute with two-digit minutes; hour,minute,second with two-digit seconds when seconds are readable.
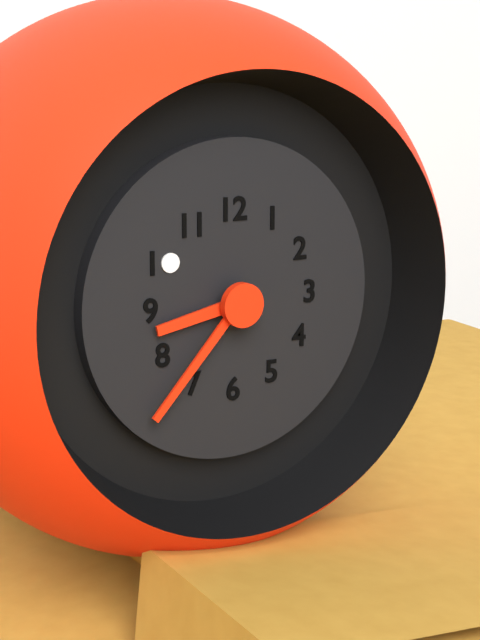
8,37
